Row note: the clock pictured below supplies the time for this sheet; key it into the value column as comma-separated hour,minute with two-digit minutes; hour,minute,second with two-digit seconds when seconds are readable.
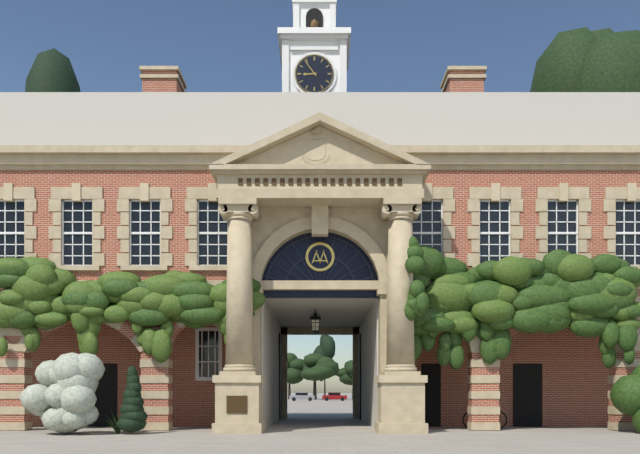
8,54
